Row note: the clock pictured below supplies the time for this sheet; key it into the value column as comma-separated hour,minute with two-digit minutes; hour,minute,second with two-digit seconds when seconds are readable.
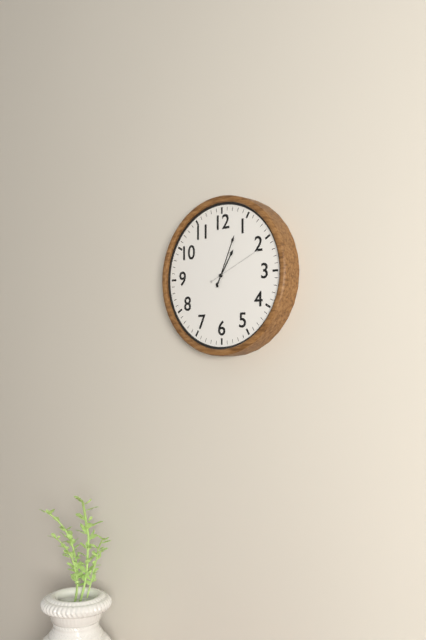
1,04,11
